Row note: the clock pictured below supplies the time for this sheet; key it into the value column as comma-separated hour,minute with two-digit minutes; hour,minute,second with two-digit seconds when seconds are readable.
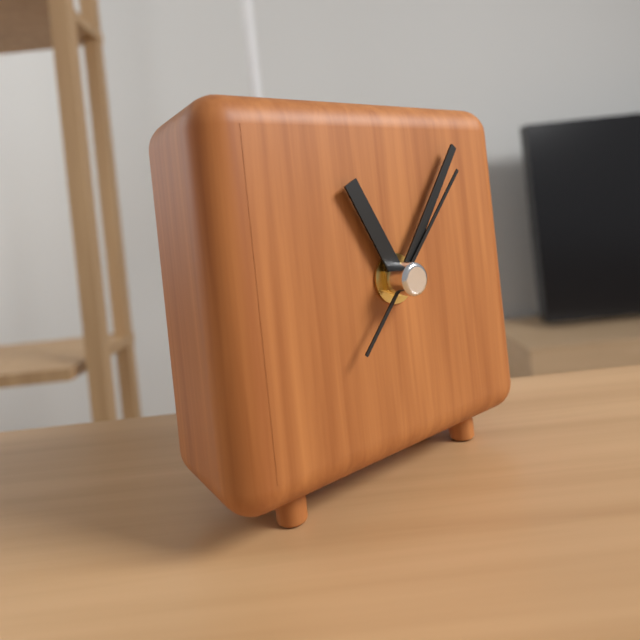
11,06,07
